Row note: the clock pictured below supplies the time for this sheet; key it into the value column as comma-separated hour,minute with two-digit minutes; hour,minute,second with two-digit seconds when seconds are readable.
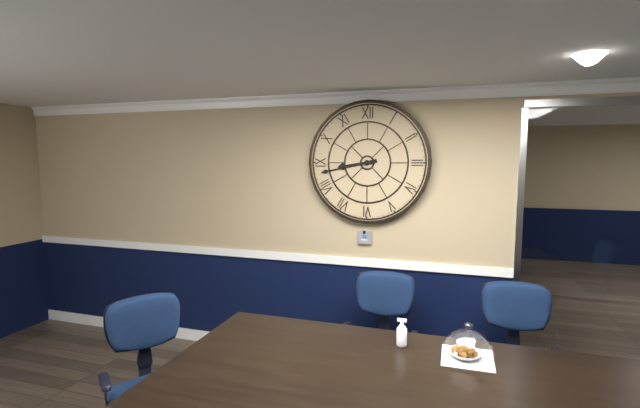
8,43
